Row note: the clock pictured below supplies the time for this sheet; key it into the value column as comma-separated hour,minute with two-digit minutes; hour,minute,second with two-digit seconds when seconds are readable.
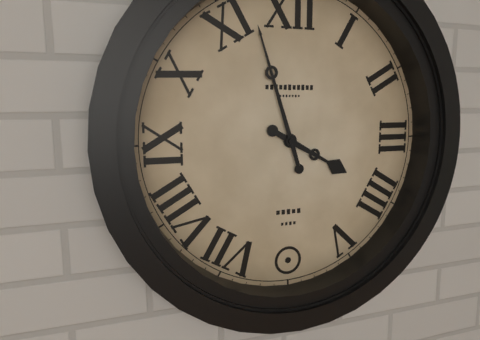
3,57
